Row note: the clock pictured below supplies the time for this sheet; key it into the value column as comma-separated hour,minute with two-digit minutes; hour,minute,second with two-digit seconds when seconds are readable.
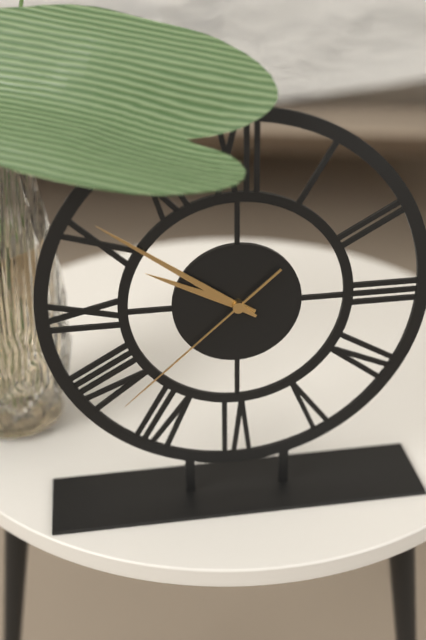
9,51,38
